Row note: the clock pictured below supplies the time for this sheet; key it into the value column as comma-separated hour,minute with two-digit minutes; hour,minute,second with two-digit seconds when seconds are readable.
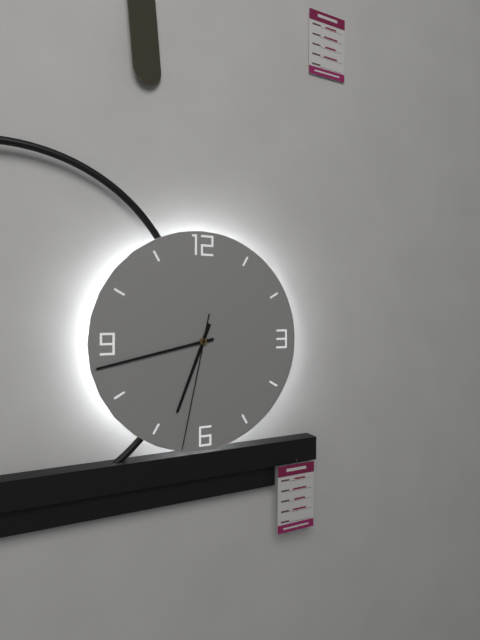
6,43,32
